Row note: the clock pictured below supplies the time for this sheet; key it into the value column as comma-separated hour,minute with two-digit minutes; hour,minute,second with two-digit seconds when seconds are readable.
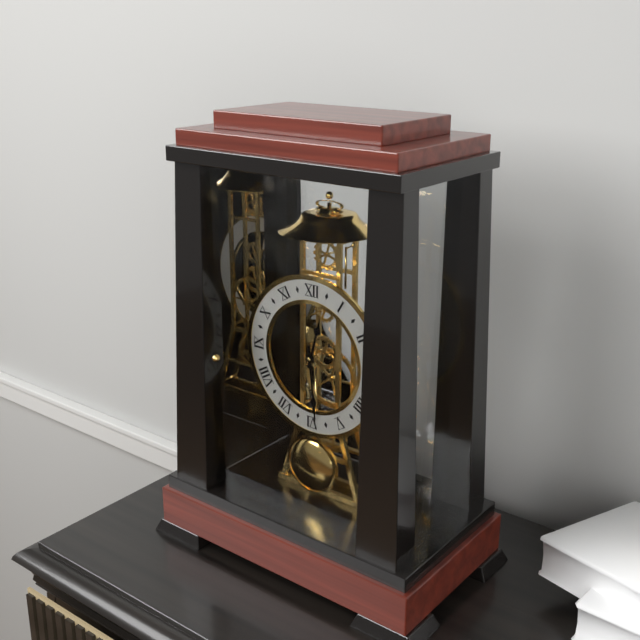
12,29
